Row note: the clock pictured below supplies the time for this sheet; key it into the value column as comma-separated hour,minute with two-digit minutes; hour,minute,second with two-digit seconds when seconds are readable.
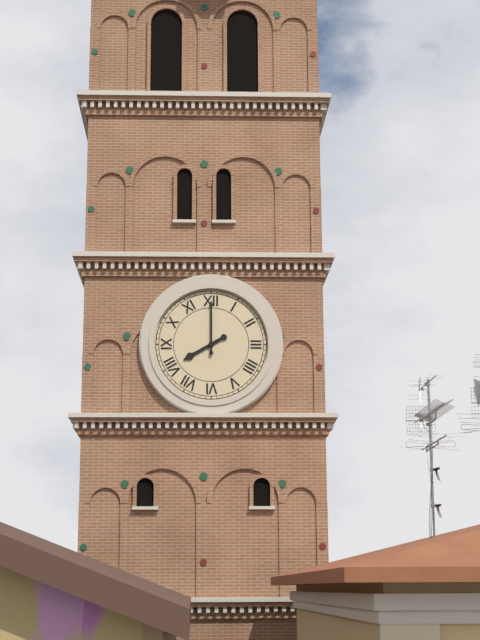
8,00
